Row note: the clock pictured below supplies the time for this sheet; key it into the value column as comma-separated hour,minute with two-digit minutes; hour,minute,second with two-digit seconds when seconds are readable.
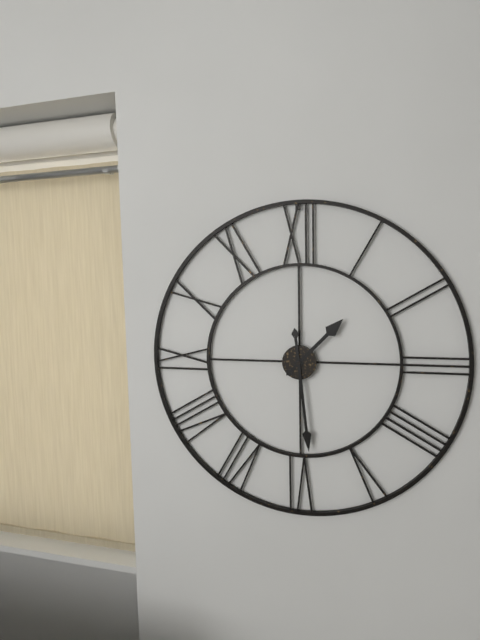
1,29
